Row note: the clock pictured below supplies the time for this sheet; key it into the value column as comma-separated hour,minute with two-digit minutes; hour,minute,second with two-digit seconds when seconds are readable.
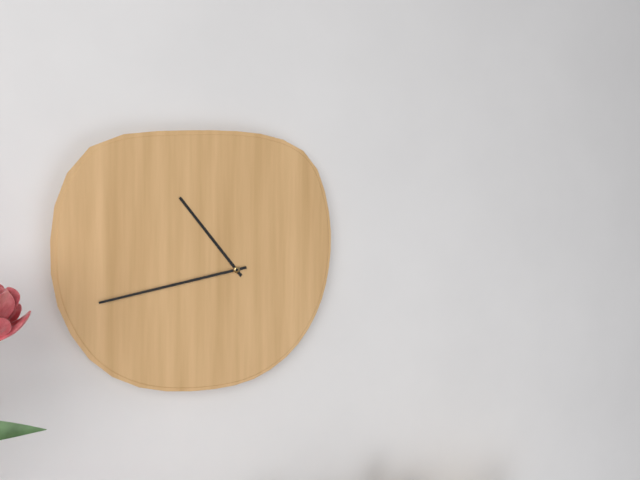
10,43
